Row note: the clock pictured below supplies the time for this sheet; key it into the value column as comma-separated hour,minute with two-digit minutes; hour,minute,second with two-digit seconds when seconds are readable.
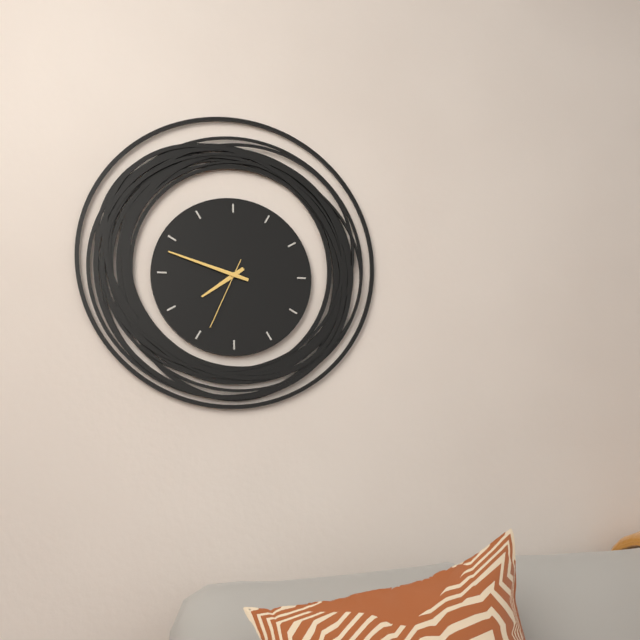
7,48,34
